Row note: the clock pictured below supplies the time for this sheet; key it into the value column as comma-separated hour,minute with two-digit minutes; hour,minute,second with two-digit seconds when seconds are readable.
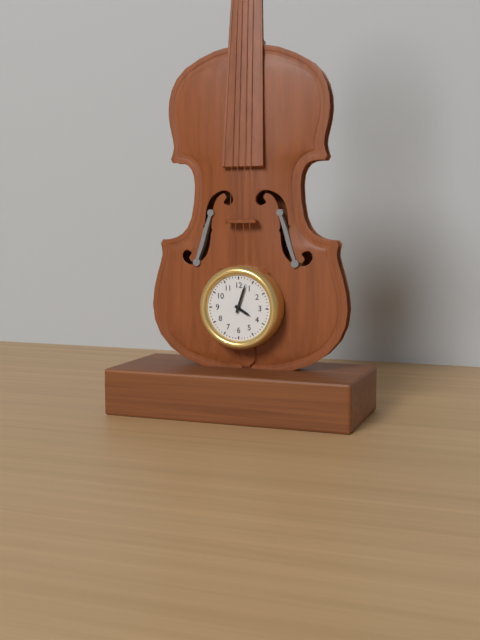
4,03
